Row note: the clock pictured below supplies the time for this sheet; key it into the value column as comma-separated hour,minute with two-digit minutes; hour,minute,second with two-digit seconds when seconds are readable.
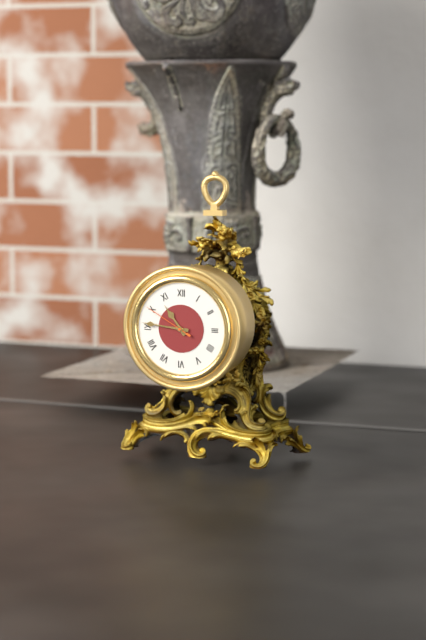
10,46,50
